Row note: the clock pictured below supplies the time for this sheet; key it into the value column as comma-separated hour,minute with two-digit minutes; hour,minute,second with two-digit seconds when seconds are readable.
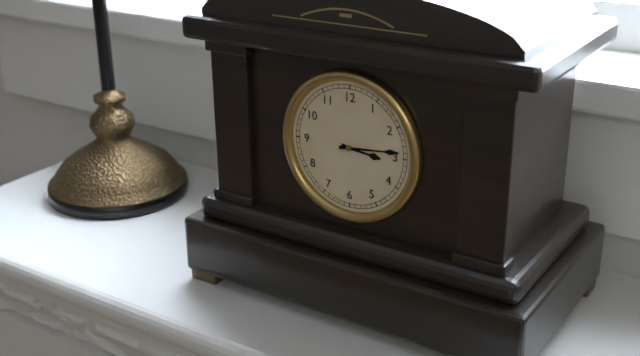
3,14
